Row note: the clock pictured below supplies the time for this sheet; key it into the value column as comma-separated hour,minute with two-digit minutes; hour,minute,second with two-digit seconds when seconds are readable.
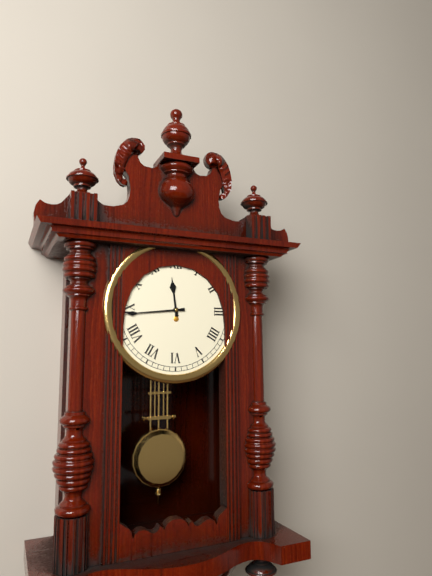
11,44
